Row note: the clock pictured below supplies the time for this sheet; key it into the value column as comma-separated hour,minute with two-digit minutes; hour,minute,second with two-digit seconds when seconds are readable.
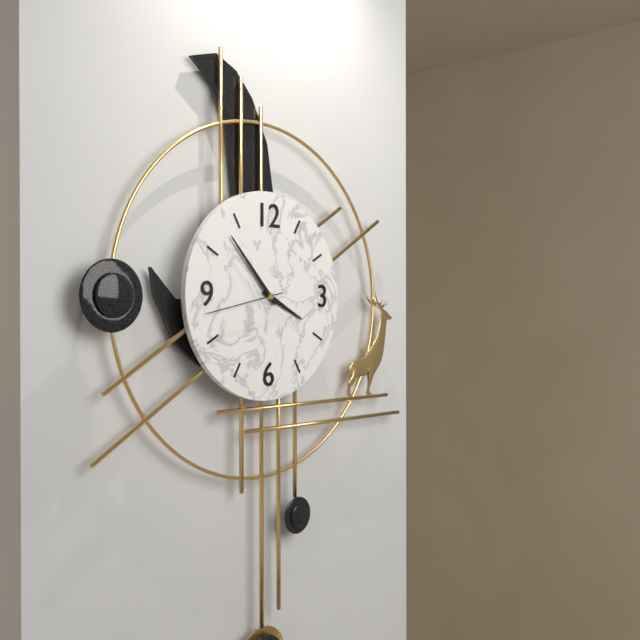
3,53,43
